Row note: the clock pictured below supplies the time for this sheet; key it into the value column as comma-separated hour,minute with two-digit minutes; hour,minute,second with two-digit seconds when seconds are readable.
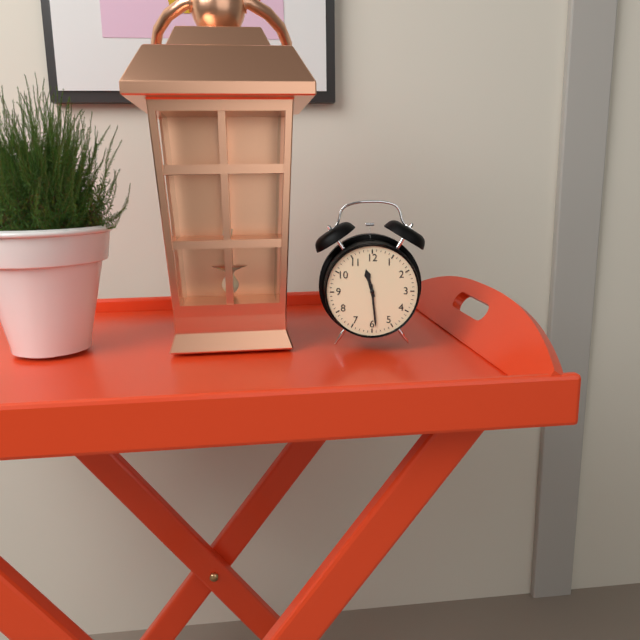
11,29
